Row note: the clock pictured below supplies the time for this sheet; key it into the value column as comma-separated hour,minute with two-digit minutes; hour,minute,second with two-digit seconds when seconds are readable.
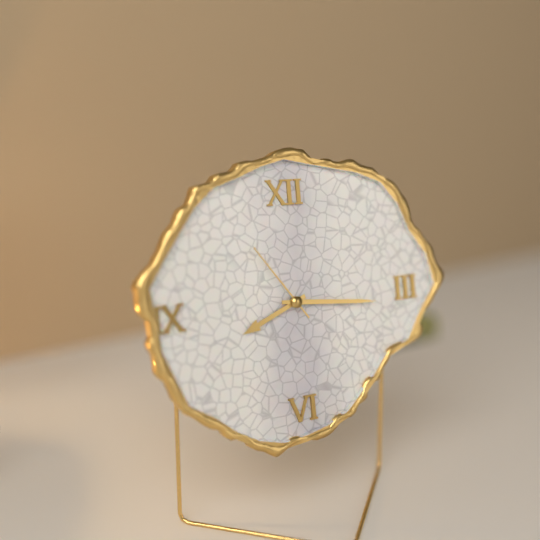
8,16,54
